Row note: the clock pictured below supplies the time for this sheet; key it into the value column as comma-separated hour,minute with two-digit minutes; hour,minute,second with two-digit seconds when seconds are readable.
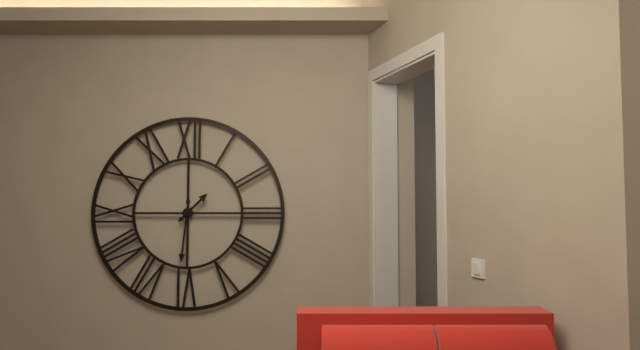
1,31
